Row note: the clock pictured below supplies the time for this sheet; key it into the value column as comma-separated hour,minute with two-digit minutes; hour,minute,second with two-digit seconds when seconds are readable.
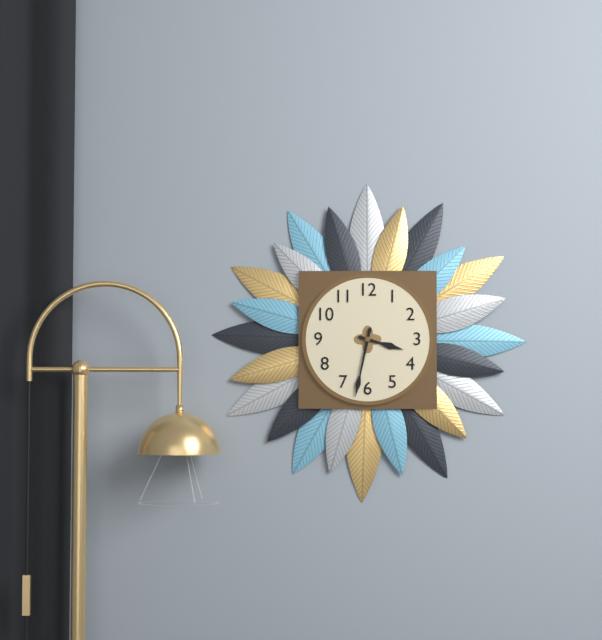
3,32
